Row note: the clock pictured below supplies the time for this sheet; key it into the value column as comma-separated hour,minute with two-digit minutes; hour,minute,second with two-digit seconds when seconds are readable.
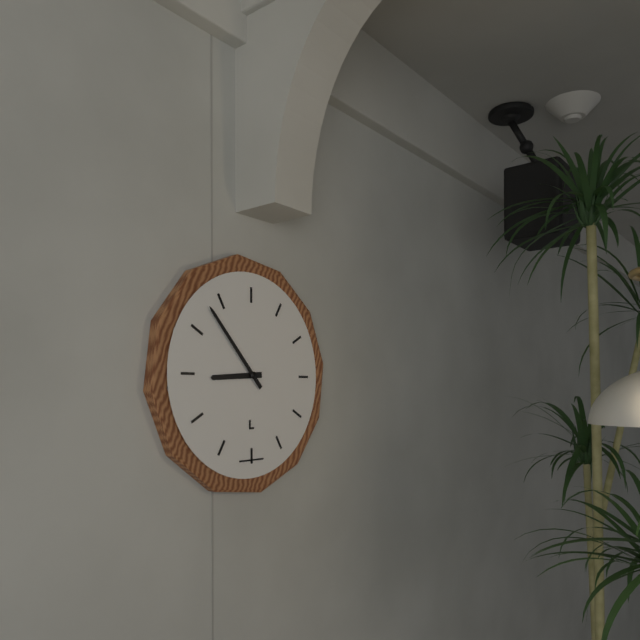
8,53
